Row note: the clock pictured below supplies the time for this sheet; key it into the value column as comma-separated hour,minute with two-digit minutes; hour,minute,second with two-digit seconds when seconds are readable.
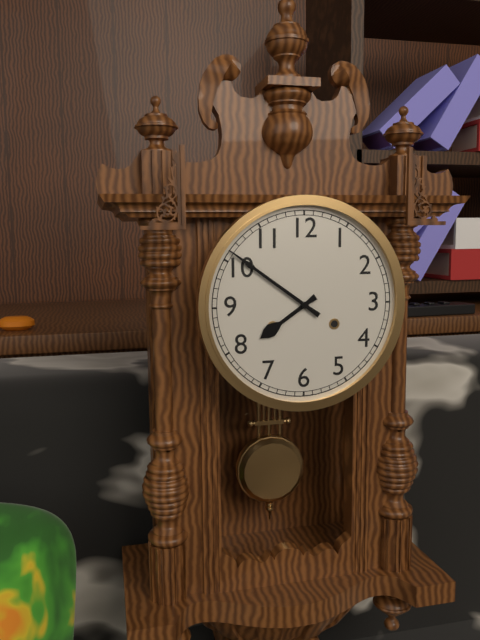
7,51
